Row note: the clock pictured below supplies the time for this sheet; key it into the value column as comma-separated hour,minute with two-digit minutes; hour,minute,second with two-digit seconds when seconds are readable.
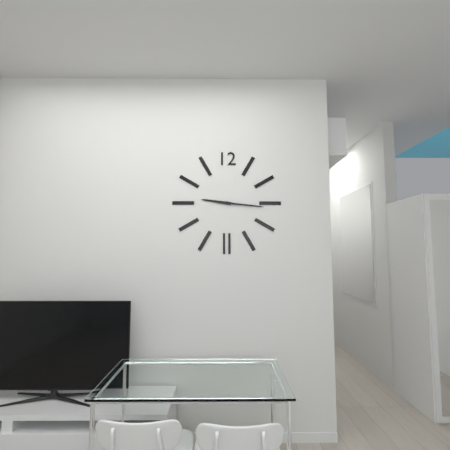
9,16
